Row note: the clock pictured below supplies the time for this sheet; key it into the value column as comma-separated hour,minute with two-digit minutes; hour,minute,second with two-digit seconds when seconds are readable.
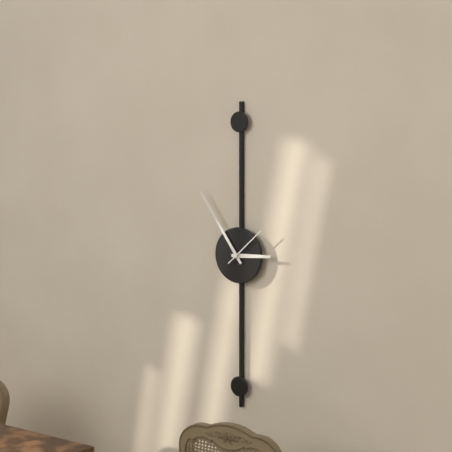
2,54
